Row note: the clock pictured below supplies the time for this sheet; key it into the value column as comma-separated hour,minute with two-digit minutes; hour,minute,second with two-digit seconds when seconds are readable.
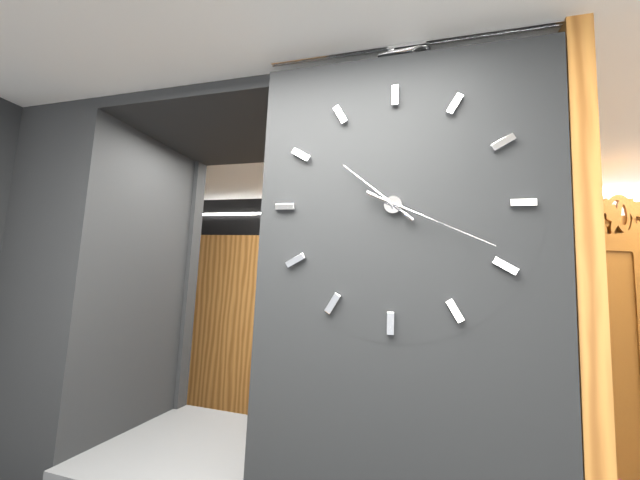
10,19
